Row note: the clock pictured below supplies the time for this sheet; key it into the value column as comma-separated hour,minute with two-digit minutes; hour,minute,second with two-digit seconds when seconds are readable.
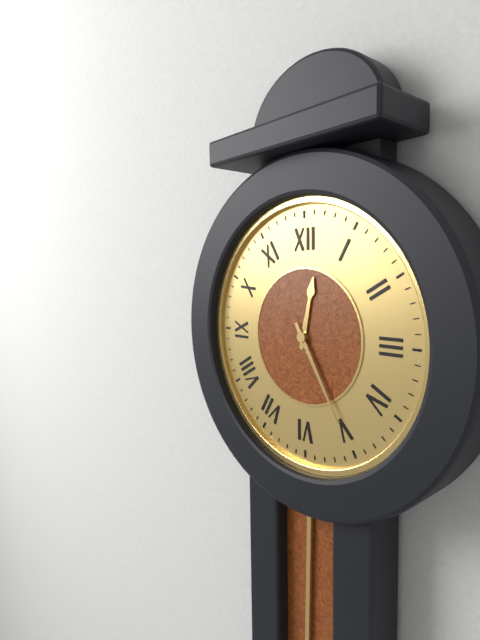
12,25
